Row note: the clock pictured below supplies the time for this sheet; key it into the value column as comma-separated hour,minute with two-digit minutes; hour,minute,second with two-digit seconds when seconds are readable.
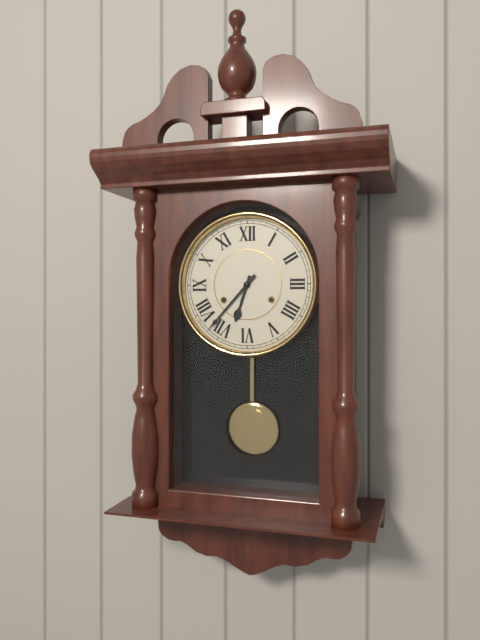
6,37
